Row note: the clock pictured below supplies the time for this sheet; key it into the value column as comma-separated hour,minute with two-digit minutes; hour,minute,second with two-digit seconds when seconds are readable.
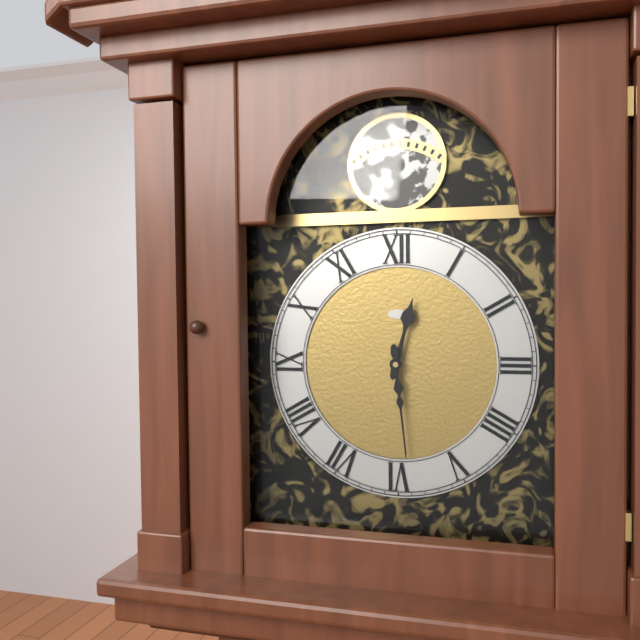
12,29
